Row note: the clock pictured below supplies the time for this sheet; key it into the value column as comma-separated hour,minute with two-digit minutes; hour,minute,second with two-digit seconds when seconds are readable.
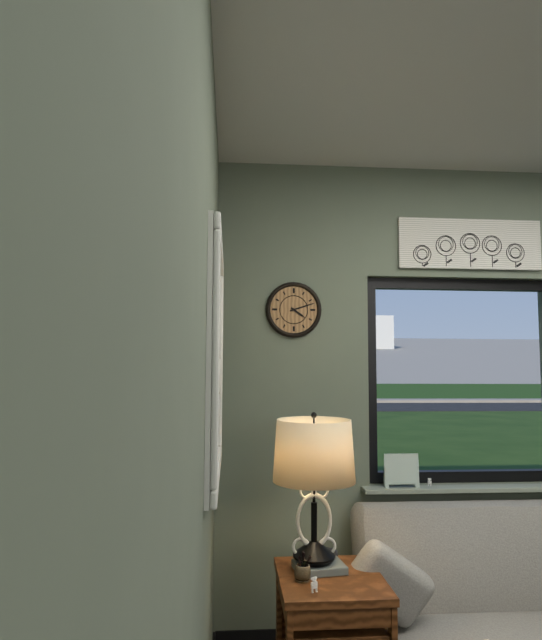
4,12
